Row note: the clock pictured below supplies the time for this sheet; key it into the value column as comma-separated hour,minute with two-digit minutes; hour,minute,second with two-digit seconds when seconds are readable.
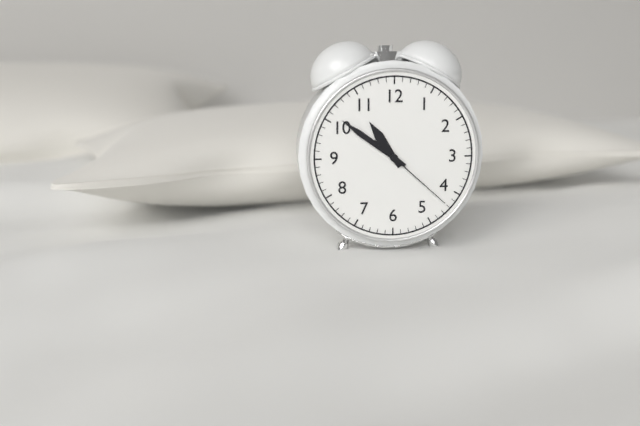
10,51,22
